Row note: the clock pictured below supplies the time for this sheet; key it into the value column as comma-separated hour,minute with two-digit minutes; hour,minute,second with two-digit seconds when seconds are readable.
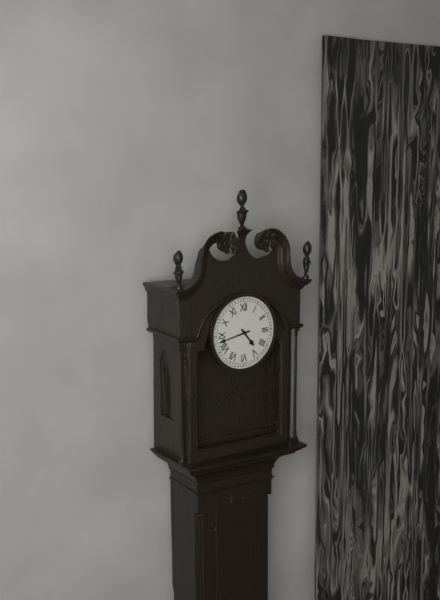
4,43
